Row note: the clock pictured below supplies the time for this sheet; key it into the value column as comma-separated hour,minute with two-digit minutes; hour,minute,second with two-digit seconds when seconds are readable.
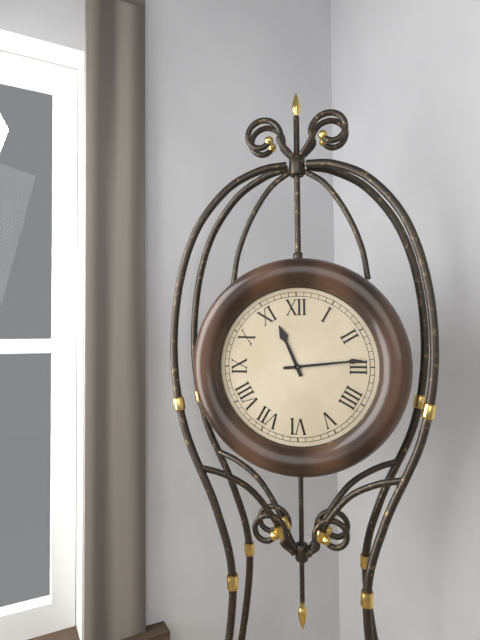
11,14
